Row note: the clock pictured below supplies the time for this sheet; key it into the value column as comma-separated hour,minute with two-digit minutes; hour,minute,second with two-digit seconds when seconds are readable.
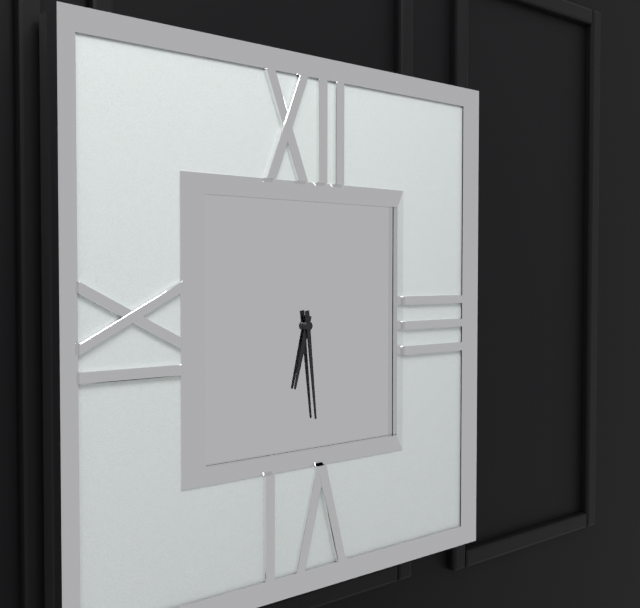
6,29
